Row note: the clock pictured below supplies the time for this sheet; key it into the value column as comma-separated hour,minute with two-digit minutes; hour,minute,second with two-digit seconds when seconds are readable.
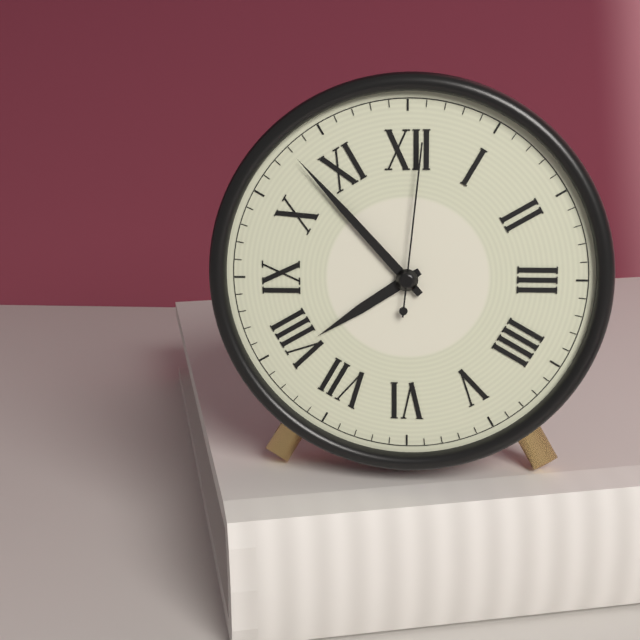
7,53,01
